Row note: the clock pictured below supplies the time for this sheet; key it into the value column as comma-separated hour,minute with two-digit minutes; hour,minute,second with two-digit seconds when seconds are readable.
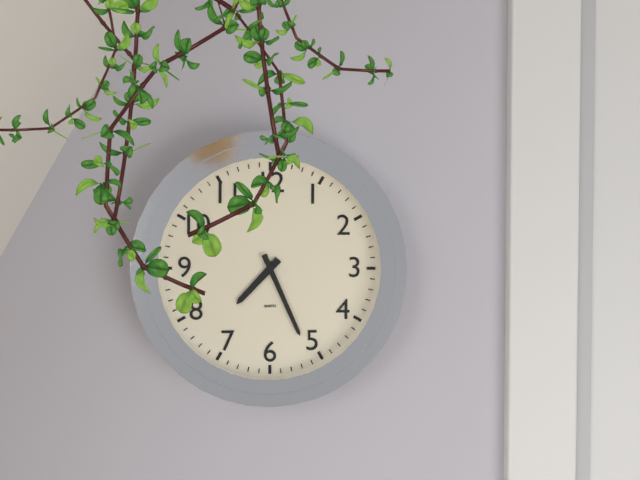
7,26
